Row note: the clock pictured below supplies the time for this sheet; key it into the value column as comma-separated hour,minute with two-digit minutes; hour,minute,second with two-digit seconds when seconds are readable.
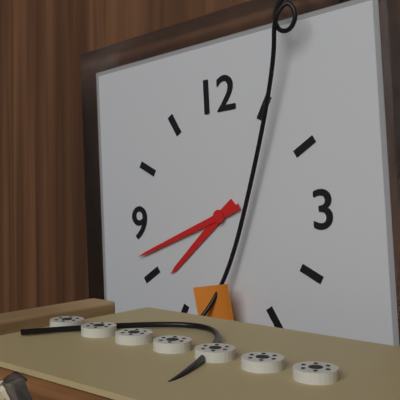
7,42
